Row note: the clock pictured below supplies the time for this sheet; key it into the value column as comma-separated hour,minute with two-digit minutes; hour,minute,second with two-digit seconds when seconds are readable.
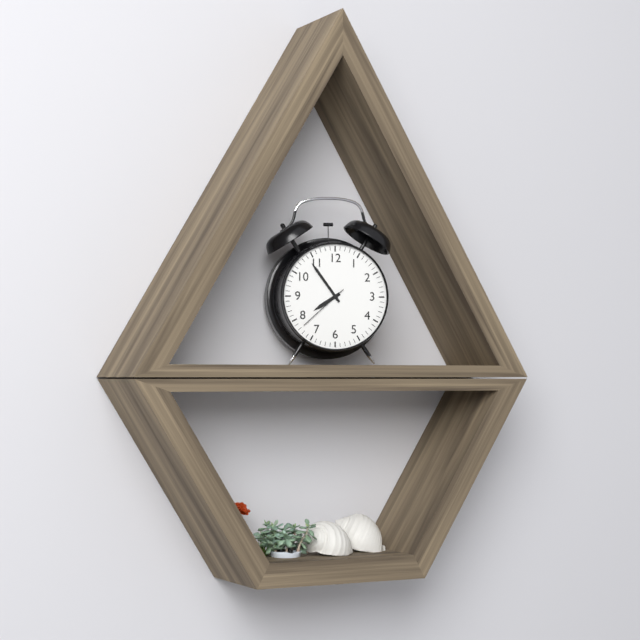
7,54,38
